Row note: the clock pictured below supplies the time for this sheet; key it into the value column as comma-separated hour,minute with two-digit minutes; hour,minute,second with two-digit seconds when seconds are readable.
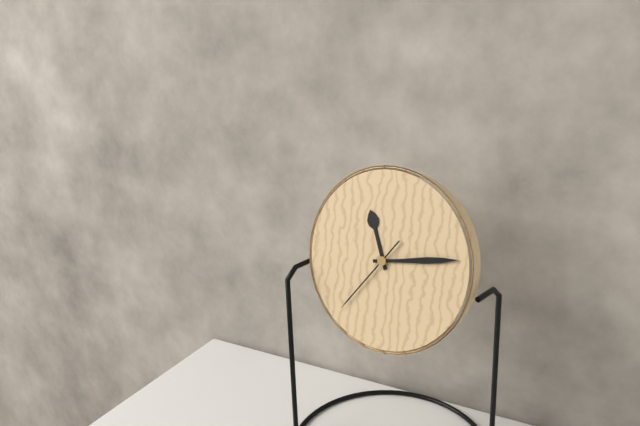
11,13,36
